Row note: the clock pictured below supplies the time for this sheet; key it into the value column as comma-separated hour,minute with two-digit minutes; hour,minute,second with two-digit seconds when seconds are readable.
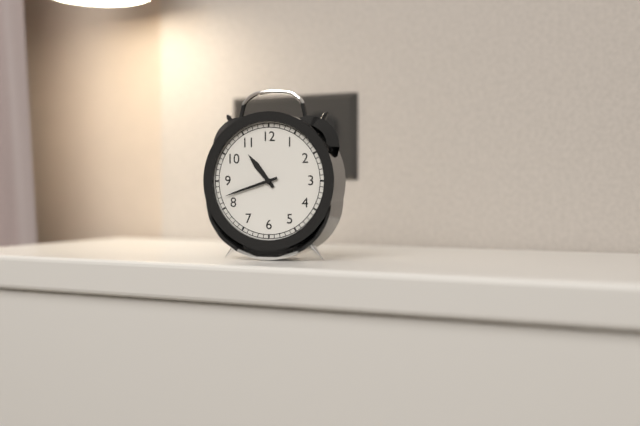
10,42
